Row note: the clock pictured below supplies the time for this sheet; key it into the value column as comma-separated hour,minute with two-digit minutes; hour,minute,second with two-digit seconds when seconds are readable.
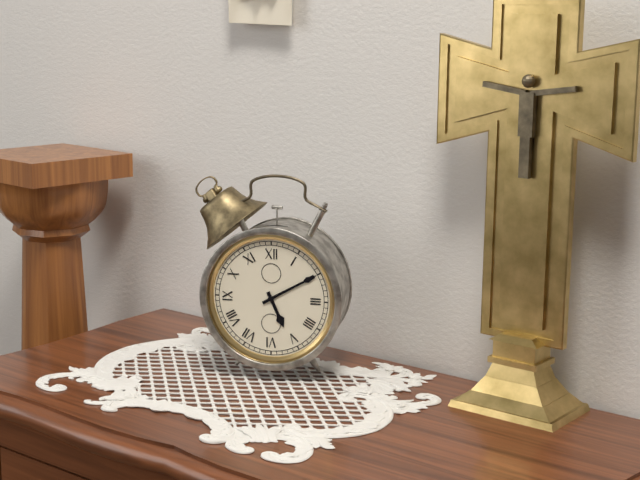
5,10
